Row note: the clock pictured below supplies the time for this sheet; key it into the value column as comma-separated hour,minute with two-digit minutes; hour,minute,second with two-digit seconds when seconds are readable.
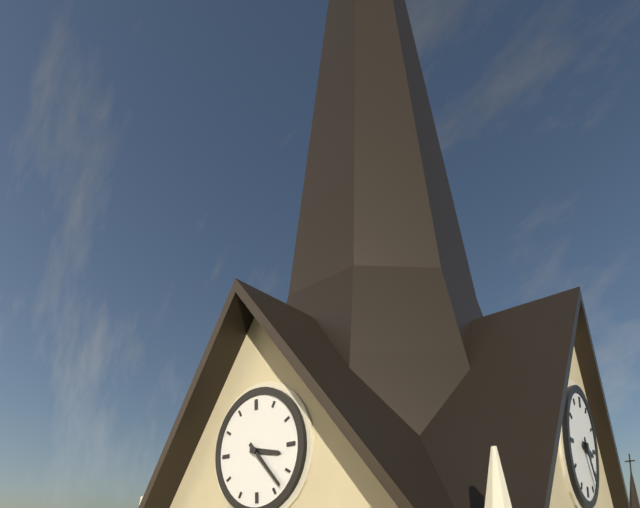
3,23
